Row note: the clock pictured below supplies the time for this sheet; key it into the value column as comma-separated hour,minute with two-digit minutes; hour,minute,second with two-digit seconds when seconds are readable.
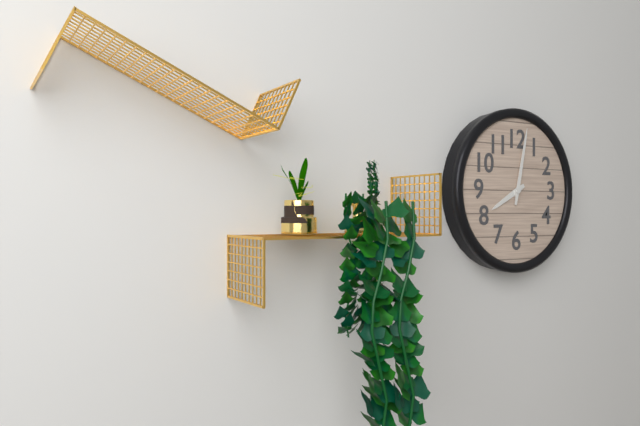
8,02
